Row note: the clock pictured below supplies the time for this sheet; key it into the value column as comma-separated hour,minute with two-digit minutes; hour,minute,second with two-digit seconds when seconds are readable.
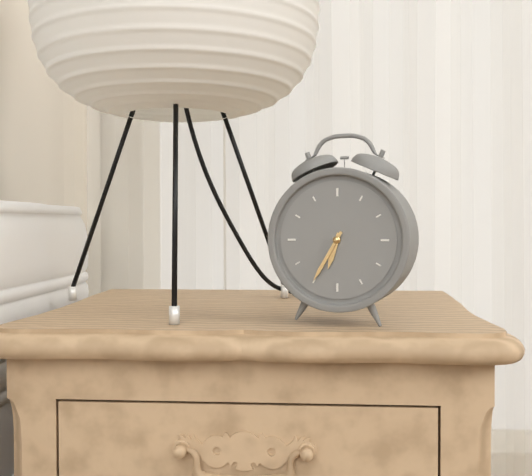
6,35
